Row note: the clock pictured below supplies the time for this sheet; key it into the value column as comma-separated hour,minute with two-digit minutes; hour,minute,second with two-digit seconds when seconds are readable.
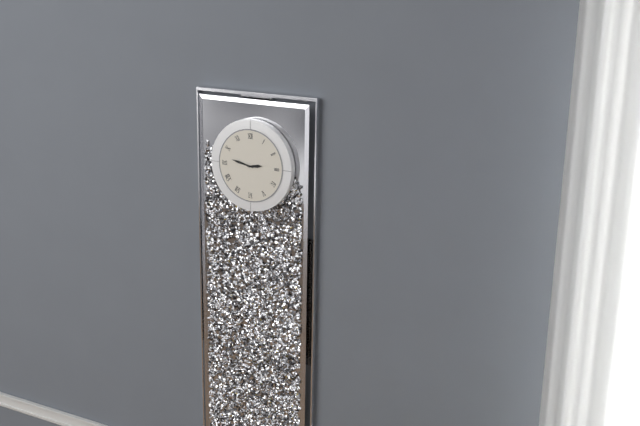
2,47
